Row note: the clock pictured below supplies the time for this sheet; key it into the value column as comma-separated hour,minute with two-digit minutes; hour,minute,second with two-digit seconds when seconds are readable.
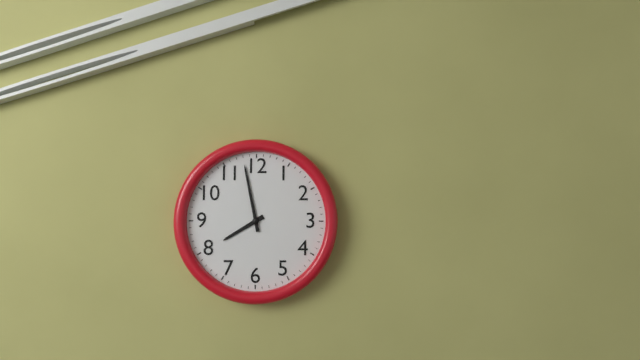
7,58
